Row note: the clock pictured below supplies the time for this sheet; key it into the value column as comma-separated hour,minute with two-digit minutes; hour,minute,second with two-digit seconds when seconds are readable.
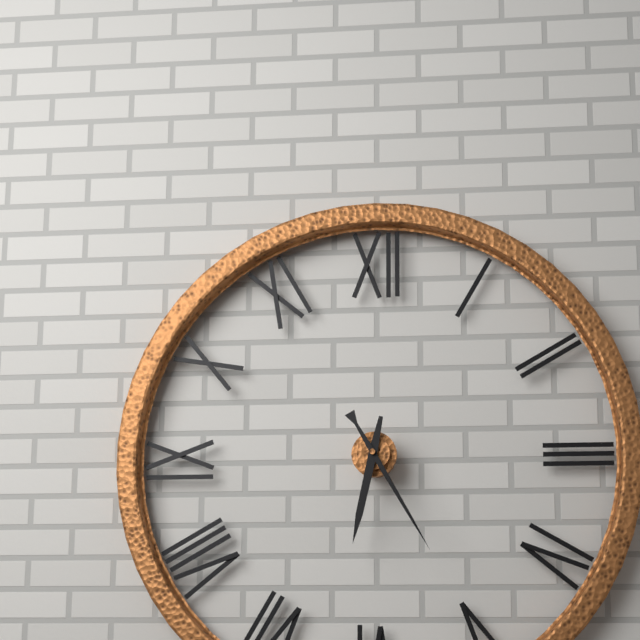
6,25
